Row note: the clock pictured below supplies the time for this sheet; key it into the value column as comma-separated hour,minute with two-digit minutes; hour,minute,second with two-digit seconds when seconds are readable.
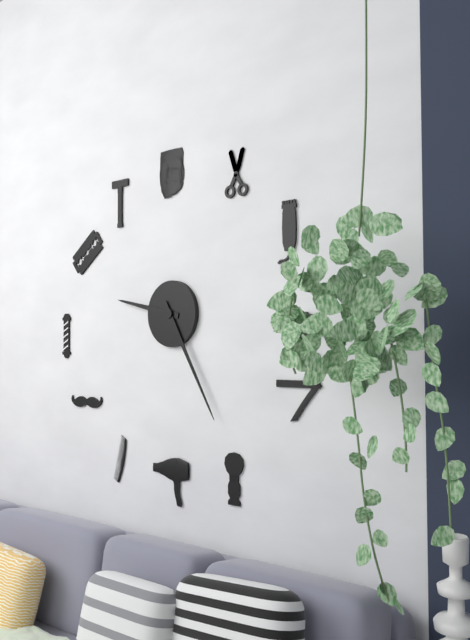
9,25
